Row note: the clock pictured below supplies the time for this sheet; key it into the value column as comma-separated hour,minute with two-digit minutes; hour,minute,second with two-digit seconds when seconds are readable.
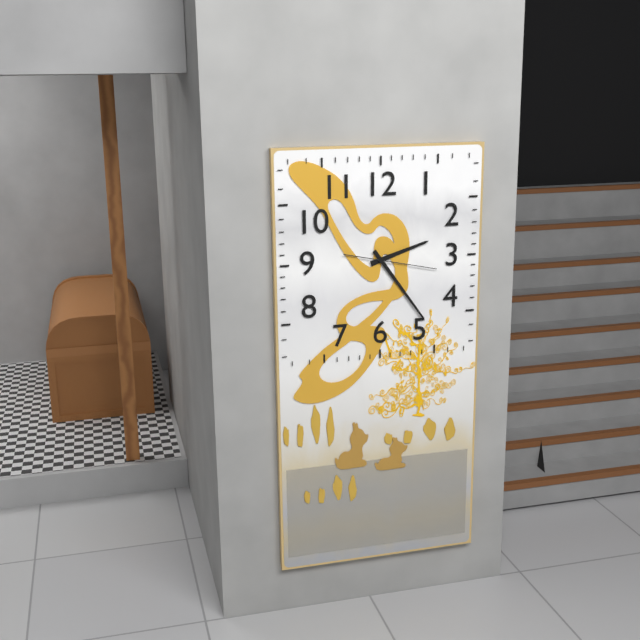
2,24,17
